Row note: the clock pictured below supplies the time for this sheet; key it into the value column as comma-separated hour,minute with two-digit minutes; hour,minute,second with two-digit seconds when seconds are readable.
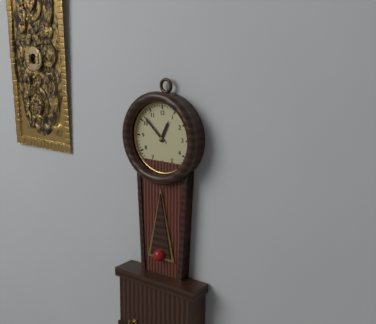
12,52
